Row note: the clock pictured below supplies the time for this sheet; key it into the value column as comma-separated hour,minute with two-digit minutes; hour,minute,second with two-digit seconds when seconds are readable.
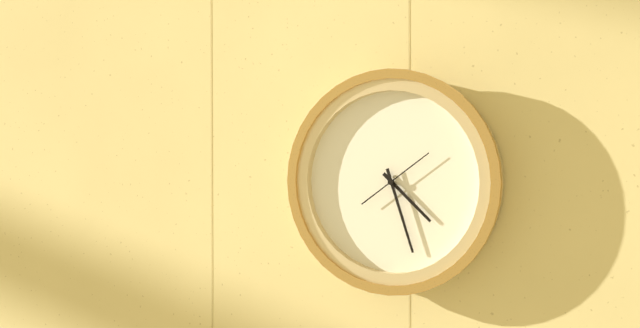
4,27,09
